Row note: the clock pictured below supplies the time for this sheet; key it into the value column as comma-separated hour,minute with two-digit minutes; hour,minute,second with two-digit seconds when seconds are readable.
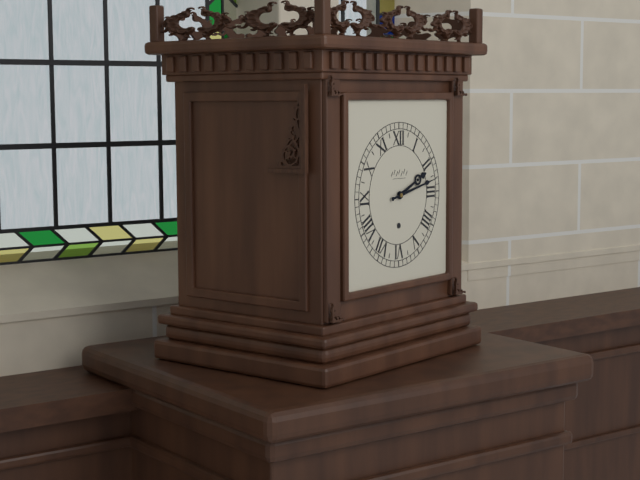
2,13
